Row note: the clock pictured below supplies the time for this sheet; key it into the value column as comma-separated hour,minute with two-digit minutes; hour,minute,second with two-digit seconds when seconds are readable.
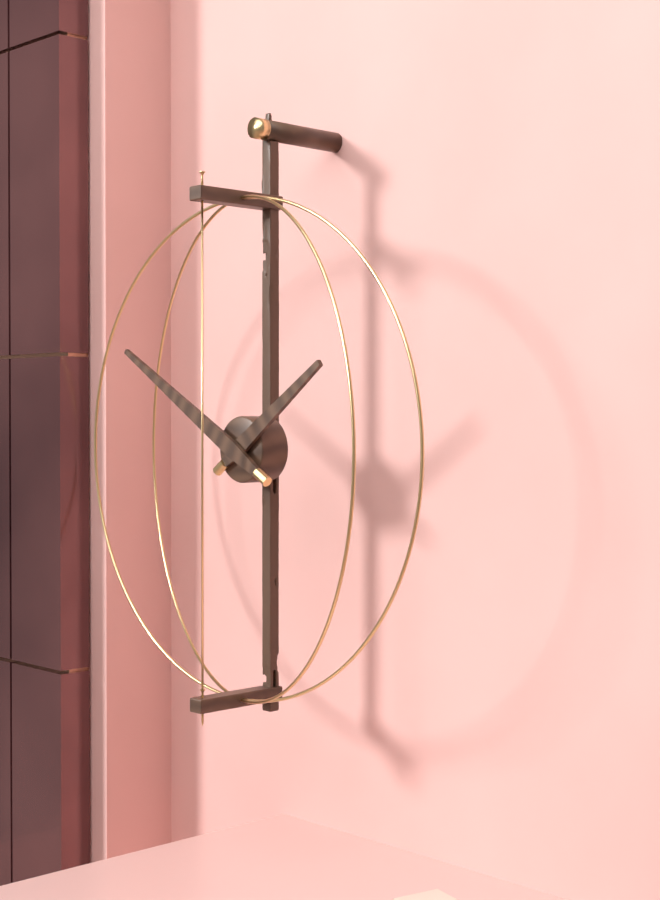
1,50
